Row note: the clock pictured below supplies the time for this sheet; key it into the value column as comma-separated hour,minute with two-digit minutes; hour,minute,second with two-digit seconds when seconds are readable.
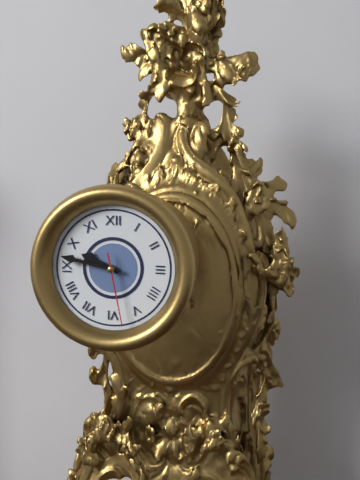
9,47,28
